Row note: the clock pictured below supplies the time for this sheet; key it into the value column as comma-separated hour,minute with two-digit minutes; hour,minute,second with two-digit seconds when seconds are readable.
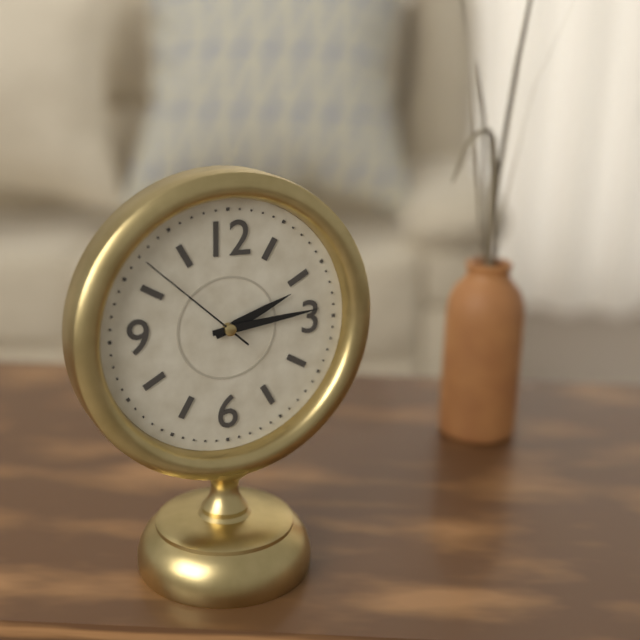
2,14,52
